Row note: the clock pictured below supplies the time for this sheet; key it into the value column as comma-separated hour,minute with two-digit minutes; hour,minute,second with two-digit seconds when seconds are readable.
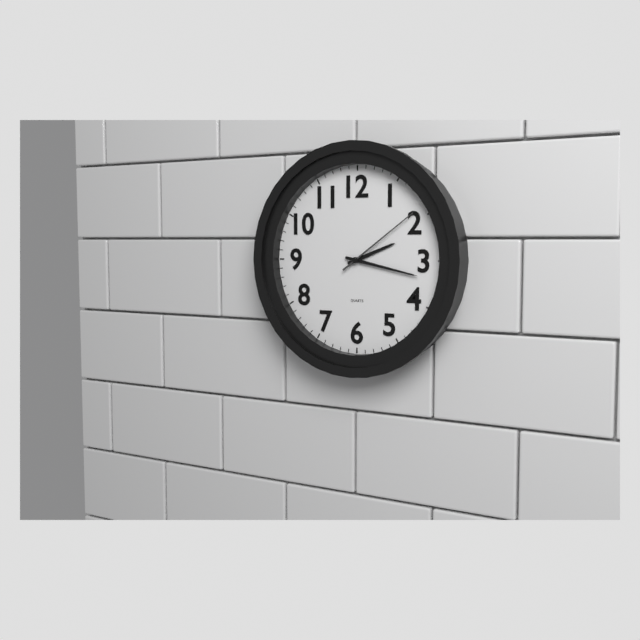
2,17,09
